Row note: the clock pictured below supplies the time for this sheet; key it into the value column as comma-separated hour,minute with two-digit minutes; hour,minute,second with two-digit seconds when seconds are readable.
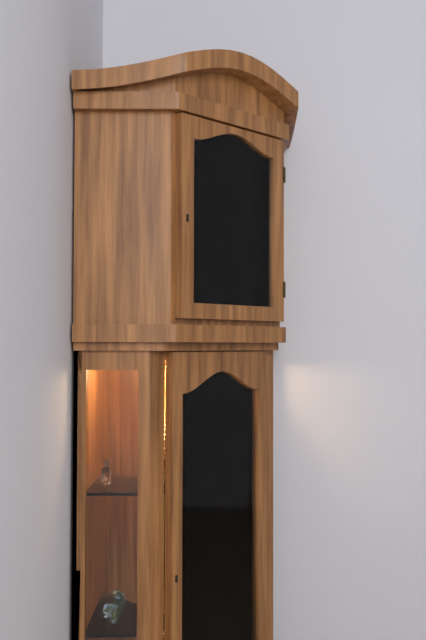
10,36
